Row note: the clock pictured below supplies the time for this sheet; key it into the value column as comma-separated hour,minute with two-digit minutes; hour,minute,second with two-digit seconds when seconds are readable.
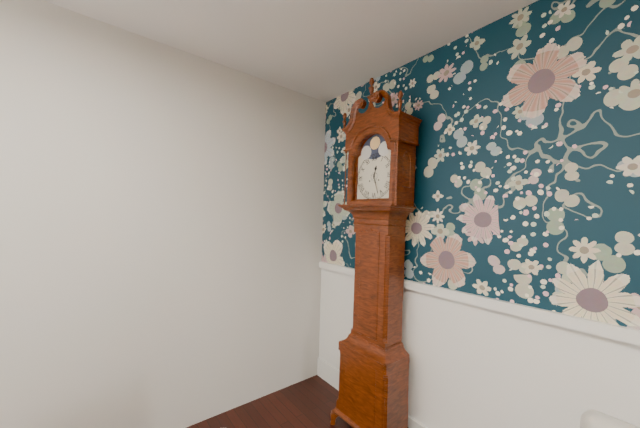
12,27
